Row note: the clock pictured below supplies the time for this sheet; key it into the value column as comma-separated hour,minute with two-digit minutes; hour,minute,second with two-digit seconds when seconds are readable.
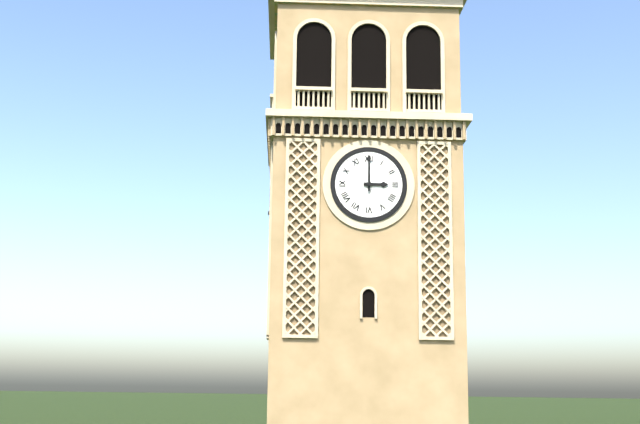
3,00
